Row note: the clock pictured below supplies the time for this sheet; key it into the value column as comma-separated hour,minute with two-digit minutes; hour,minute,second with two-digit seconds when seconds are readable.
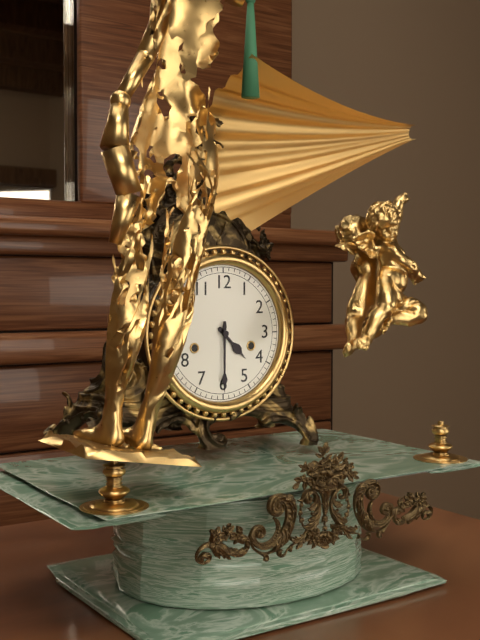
4,30
